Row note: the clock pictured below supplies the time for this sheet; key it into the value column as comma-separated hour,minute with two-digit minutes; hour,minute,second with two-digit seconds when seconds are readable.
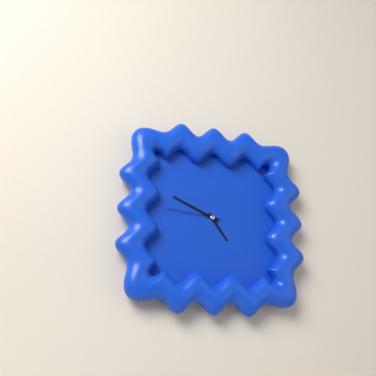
4,49,46
